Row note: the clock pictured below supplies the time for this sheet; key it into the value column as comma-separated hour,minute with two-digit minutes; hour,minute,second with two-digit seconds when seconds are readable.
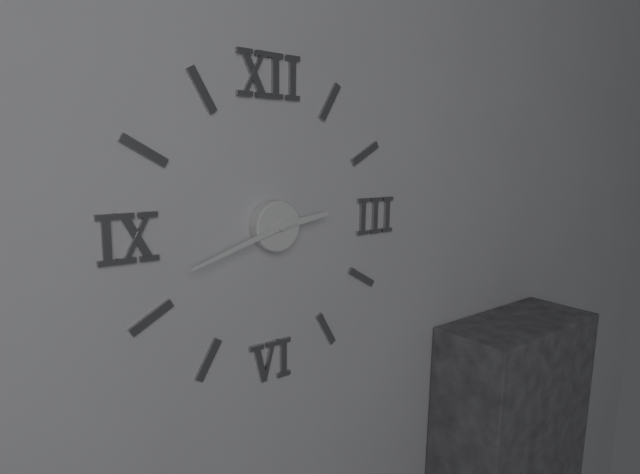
2,42
